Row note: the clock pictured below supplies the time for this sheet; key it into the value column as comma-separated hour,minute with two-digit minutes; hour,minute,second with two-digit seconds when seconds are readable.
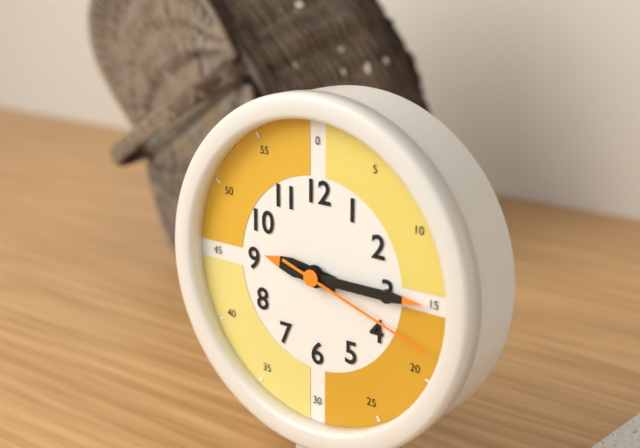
9,15,18
